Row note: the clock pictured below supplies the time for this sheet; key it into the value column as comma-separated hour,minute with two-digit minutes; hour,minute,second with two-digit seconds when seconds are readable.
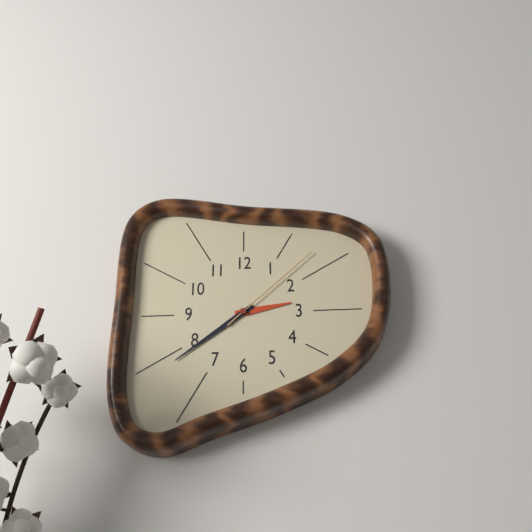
2,39,08
